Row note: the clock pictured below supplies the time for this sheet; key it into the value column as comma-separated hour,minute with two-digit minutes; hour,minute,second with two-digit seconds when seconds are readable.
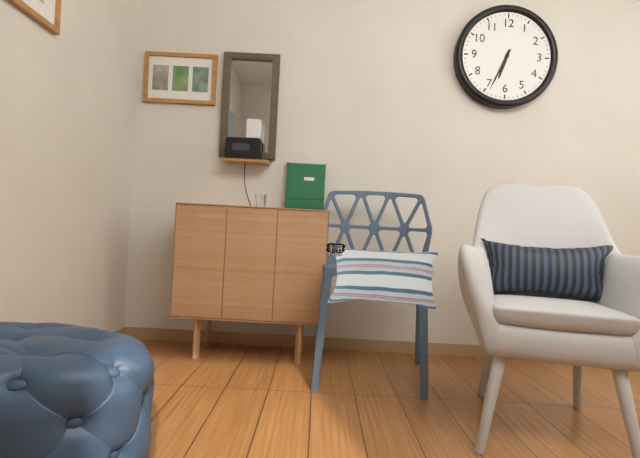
6,34
